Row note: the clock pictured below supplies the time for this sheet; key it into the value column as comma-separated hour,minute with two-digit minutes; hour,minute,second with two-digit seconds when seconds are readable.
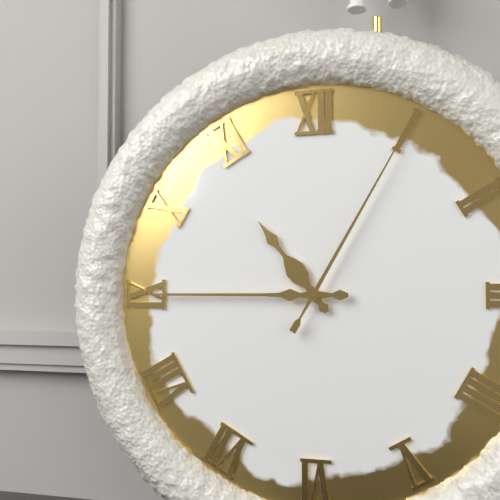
10,45,05
